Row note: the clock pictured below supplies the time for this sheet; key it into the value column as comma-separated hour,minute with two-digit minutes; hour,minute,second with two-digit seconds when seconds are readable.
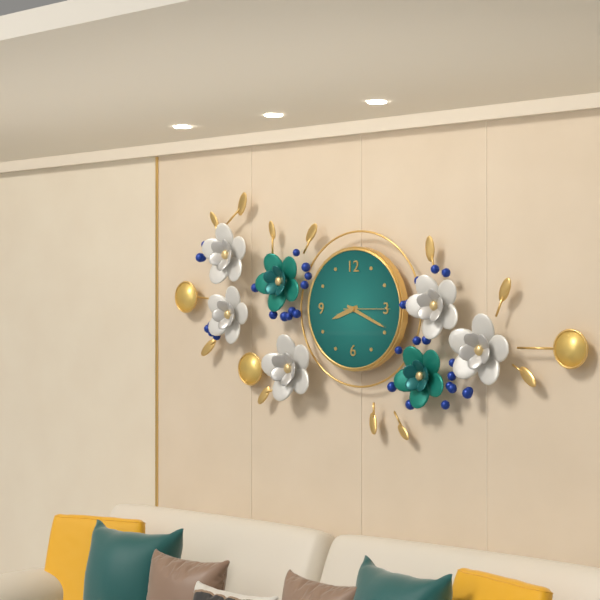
8,19
